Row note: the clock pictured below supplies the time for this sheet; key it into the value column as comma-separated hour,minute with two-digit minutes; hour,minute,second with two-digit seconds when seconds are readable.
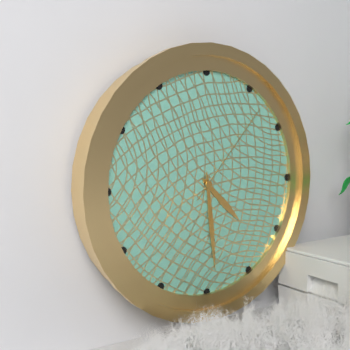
4,29,07
